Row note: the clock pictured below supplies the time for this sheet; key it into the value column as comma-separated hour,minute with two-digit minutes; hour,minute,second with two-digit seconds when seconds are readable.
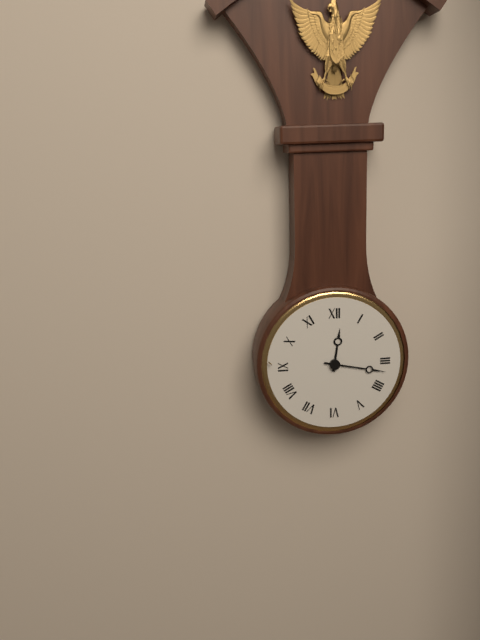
12,17
